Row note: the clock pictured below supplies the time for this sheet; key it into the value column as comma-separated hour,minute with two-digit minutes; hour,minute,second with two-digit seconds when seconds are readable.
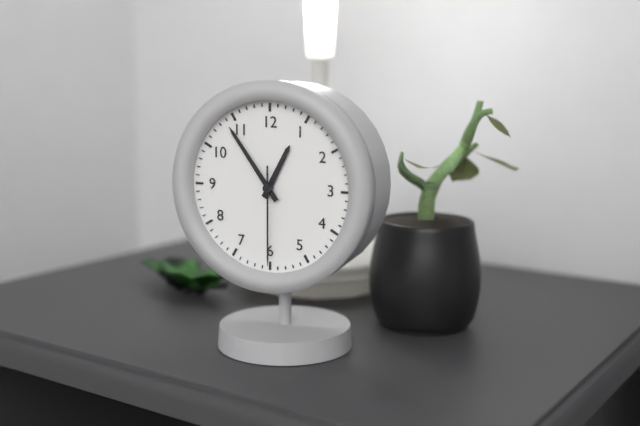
12,54,30
